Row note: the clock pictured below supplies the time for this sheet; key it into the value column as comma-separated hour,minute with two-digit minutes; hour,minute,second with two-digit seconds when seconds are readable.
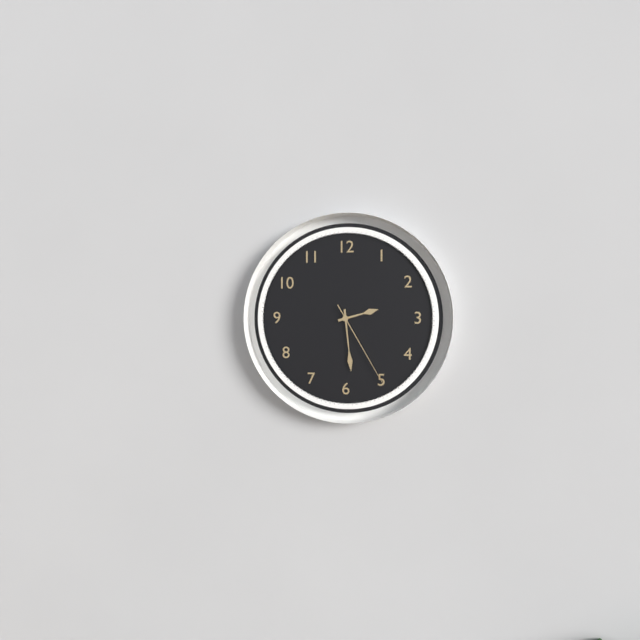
2,29,25
